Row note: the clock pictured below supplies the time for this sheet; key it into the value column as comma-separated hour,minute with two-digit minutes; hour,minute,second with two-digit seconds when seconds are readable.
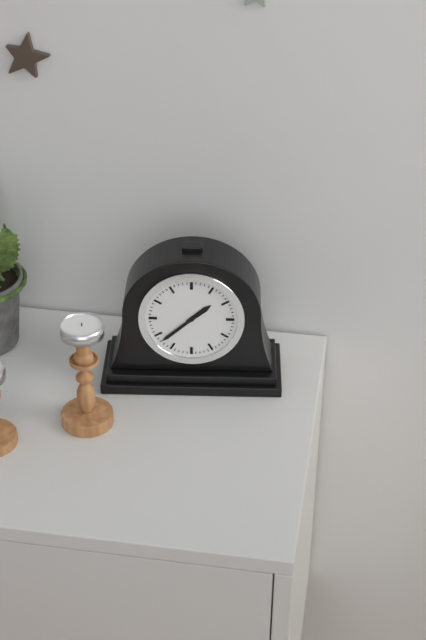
1,38
